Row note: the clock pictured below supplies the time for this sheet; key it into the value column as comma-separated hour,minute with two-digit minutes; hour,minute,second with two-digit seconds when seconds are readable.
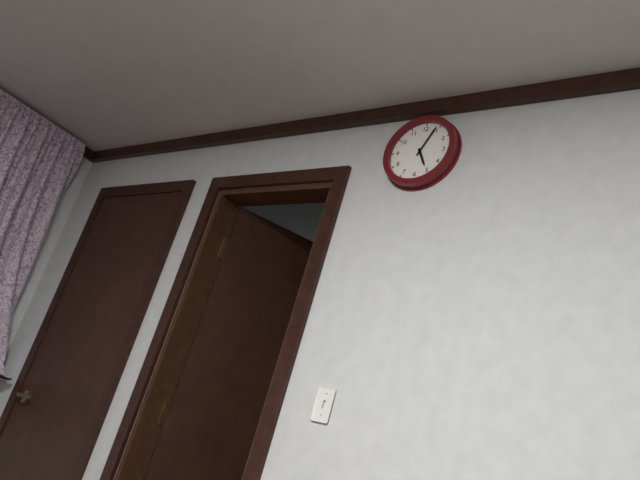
5,04
